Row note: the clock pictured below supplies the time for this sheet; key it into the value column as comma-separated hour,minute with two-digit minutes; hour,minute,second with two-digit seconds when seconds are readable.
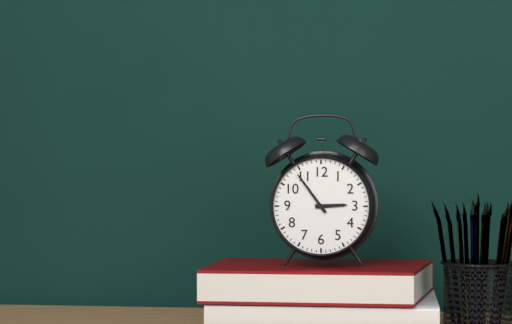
2,54
